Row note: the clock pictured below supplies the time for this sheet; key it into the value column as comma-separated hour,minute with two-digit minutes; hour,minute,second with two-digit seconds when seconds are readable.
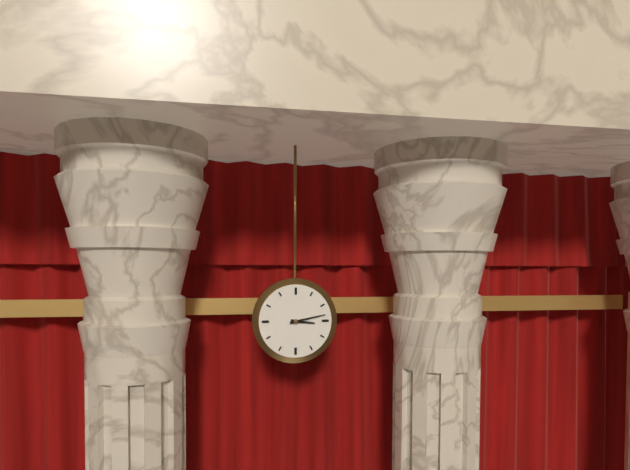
3,13
